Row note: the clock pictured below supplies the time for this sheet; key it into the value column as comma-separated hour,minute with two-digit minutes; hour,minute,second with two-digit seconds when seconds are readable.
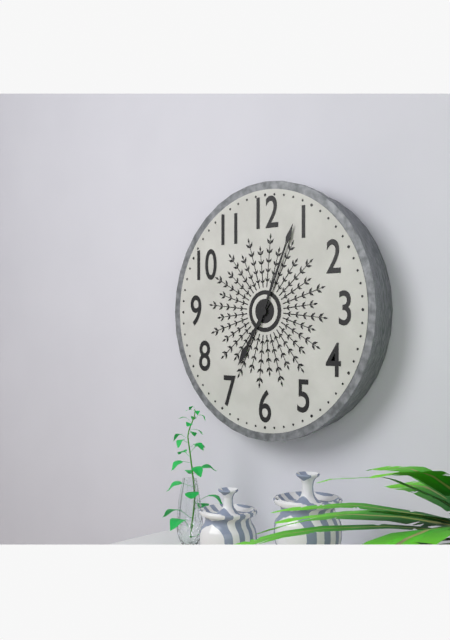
7,04
